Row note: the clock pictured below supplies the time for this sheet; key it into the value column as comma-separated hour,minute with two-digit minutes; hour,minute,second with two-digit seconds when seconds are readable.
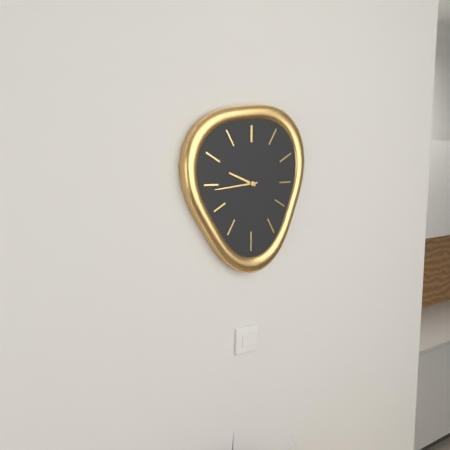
9,44
